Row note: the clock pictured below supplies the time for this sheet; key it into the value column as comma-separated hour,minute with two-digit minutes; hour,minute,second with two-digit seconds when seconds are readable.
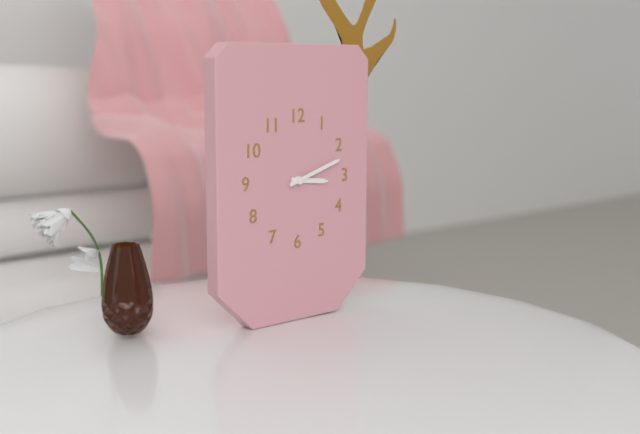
3,12
